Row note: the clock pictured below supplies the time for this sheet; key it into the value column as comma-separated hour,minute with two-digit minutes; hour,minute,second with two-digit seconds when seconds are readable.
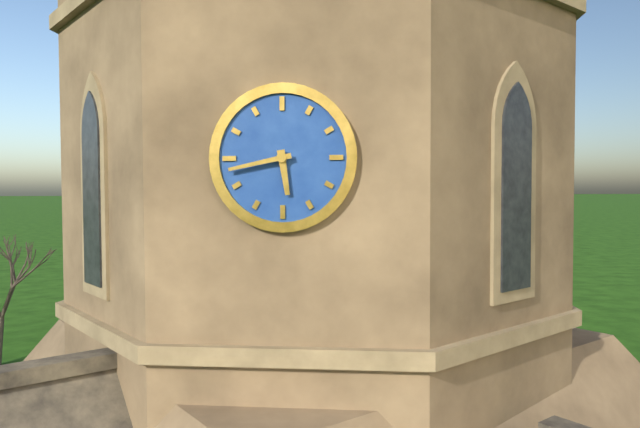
5,43
